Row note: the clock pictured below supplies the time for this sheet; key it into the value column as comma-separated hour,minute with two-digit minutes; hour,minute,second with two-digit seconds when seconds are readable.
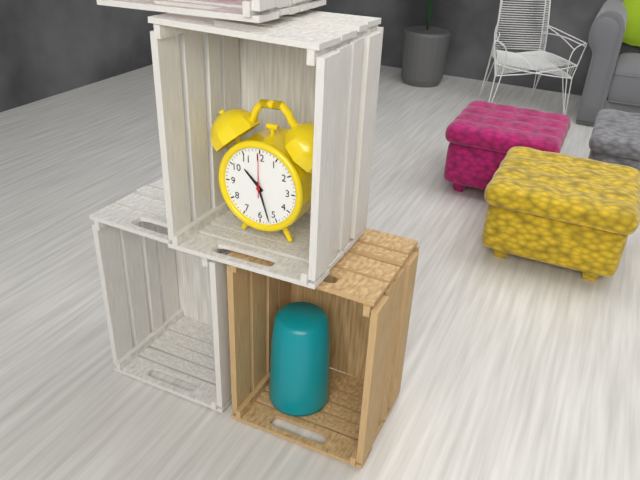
10,27
